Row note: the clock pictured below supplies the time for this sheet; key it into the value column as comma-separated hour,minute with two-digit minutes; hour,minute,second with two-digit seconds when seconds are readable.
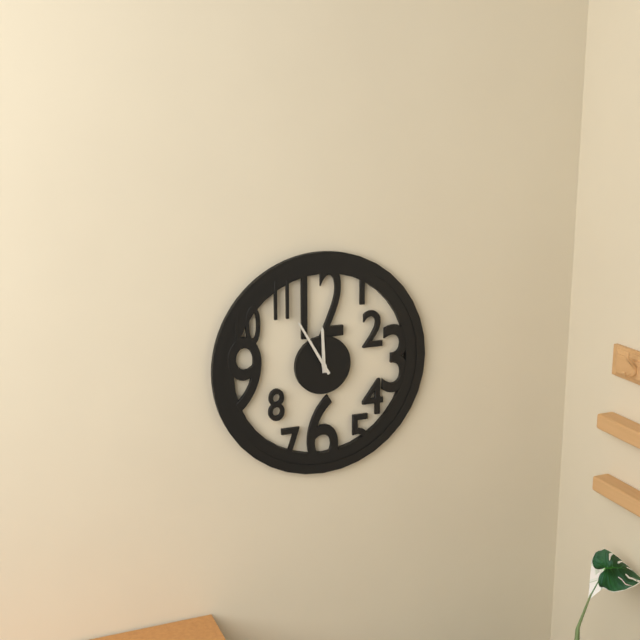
11,55
